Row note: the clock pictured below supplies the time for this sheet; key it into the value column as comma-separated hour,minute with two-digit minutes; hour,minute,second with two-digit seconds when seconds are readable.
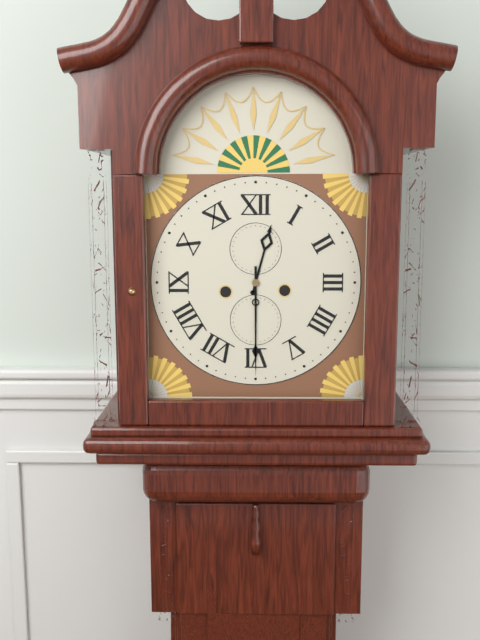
12,30
